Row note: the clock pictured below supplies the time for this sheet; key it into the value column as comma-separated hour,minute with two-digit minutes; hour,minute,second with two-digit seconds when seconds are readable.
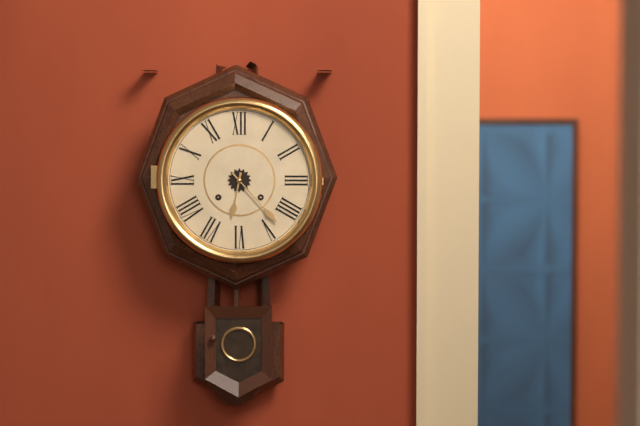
6,23
